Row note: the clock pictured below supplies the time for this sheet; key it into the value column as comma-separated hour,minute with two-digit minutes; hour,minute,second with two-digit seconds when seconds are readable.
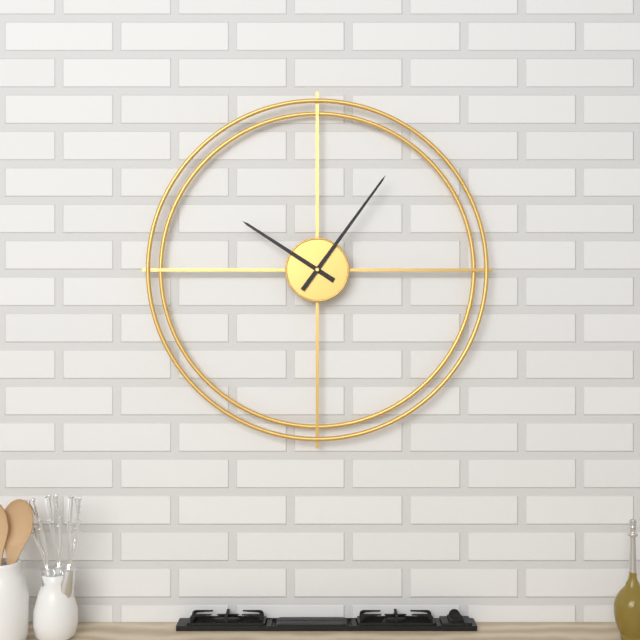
10,06
